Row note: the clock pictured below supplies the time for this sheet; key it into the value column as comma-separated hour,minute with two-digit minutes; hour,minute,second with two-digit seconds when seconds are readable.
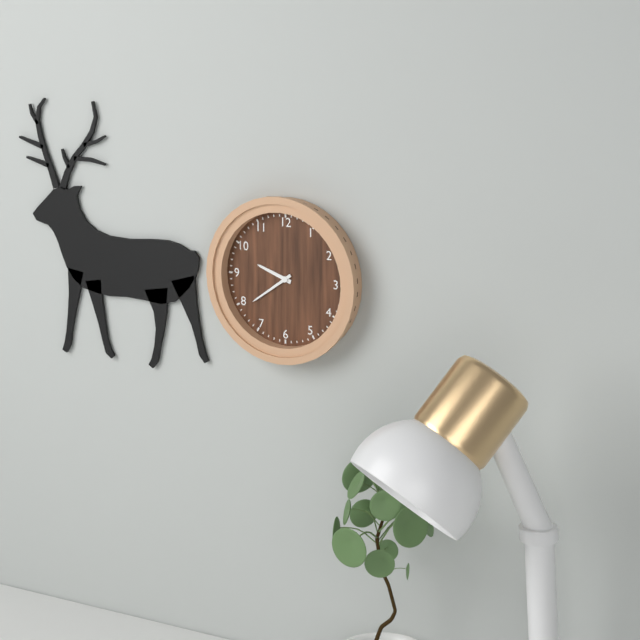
9,39
